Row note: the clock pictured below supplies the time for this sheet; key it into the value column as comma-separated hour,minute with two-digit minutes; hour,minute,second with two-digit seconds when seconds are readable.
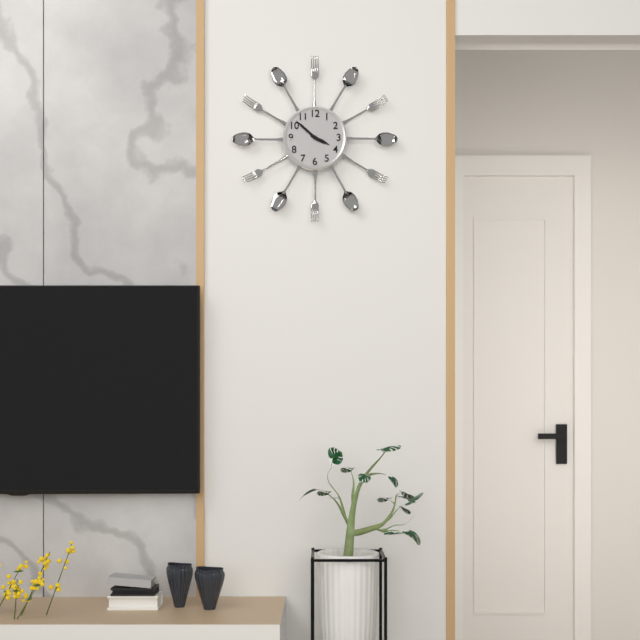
3,52
